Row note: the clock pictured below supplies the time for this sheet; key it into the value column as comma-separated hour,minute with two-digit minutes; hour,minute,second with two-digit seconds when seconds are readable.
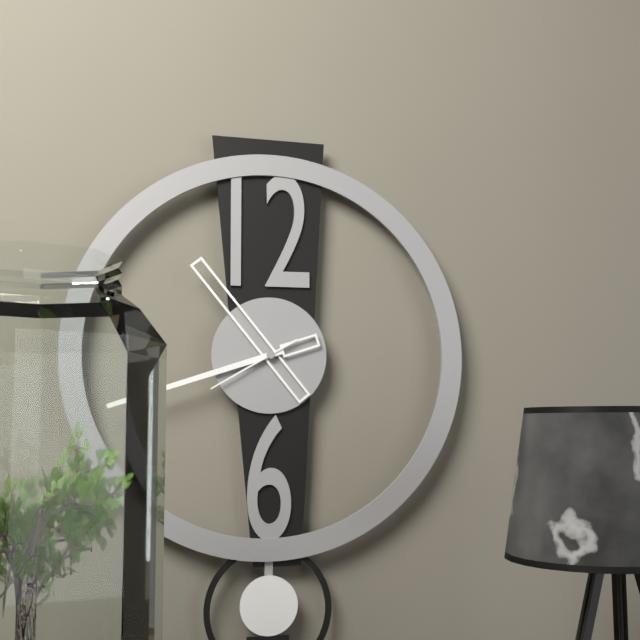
10,42,40
